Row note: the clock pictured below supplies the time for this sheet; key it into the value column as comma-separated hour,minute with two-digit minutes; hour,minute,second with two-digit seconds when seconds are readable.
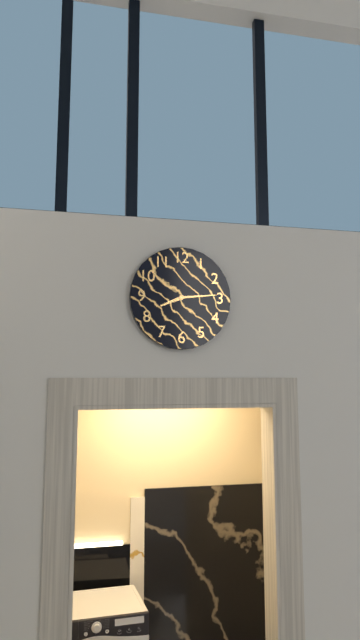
8,14
